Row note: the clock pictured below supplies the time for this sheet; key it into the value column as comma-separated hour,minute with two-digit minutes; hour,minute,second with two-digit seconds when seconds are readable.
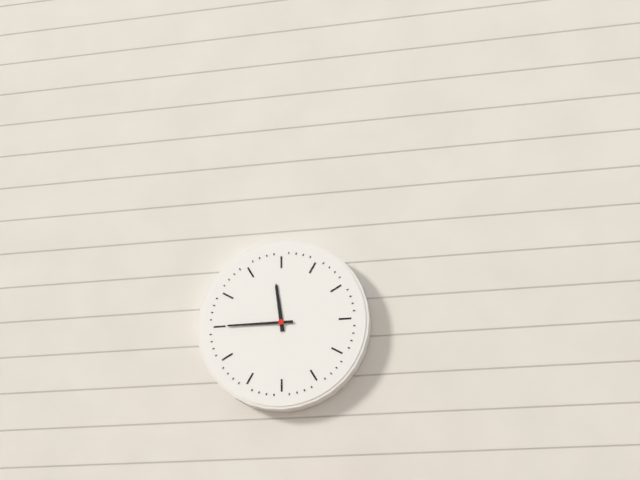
11,45
